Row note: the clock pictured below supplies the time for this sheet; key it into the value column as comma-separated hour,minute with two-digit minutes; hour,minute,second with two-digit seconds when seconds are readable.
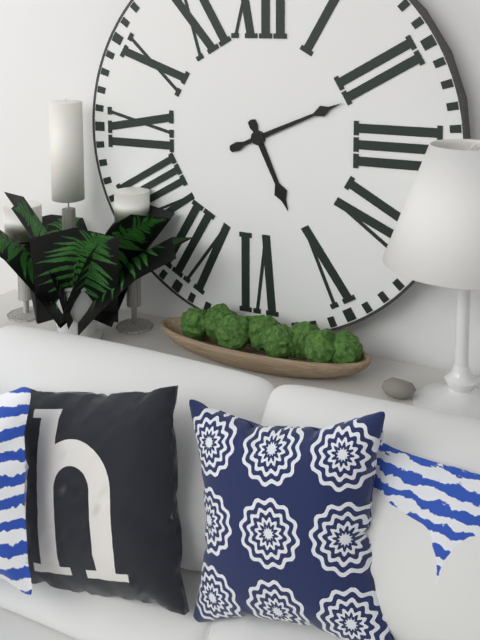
5,11
